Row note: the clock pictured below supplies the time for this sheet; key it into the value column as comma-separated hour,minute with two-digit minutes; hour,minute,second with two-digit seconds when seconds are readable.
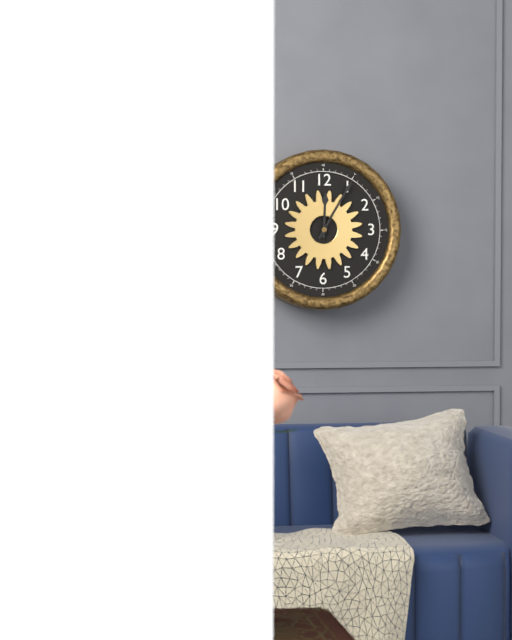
12,05
